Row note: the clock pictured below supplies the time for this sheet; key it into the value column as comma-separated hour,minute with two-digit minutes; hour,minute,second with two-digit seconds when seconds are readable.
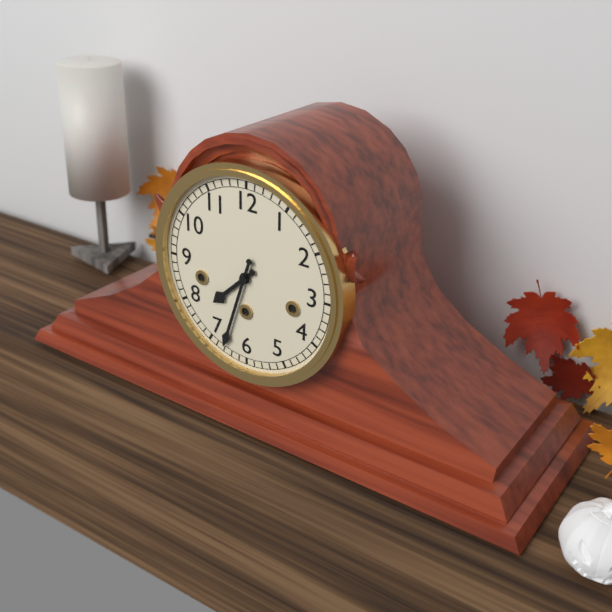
7,33
